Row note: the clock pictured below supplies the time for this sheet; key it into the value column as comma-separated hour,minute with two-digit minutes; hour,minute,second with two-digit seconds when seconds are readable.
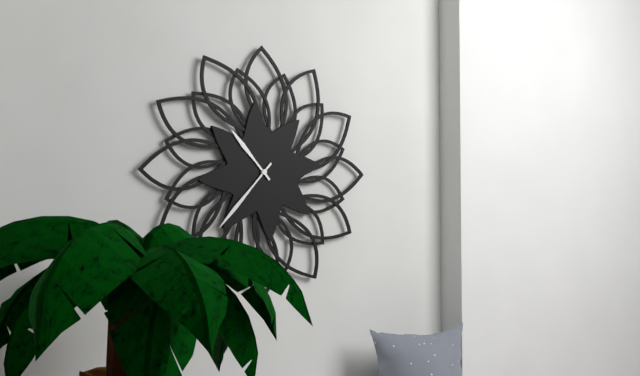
10,37
